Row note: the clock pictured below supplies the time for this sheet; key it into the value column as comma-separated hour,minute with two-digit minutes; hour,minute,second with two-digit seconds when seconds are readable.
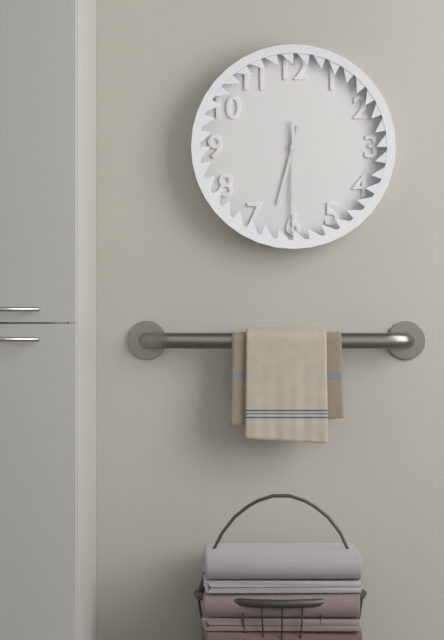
6,30
